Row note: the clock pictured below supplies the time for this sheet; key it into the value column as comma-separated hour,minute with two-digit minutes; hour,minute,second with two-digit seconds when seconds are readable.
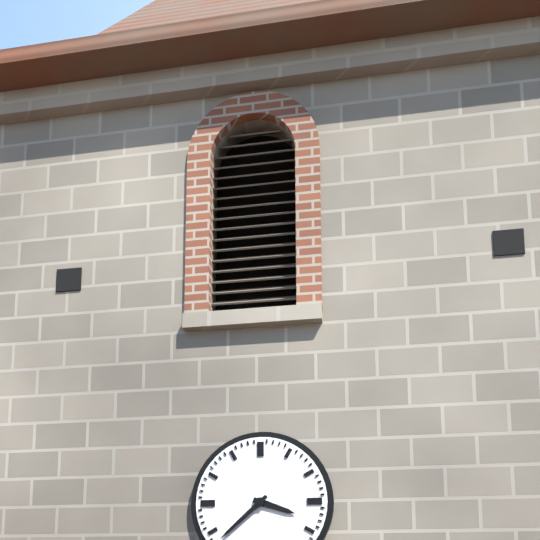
3,38
